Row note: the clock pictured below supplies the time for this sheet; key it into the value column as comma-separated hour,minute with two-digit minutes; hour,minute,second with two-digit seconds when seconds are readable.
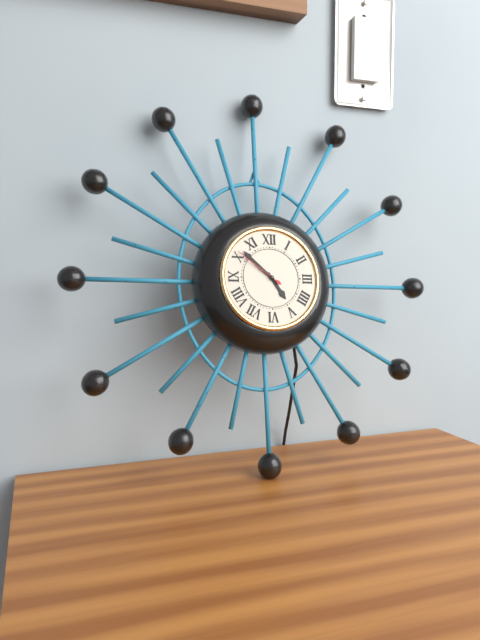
4,52,51
